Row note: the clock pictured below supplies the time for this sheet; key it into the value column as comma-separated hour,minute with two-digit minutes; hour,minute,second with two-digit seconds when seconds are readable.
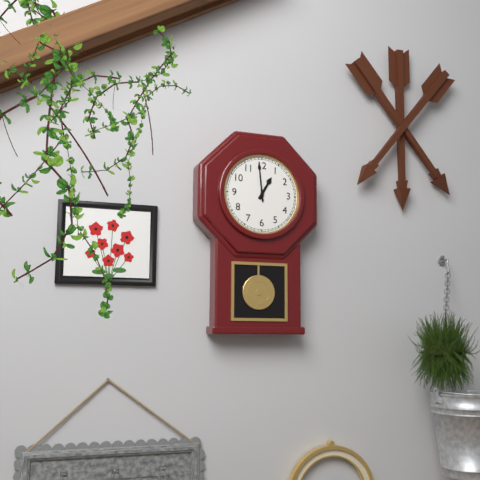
12,59
